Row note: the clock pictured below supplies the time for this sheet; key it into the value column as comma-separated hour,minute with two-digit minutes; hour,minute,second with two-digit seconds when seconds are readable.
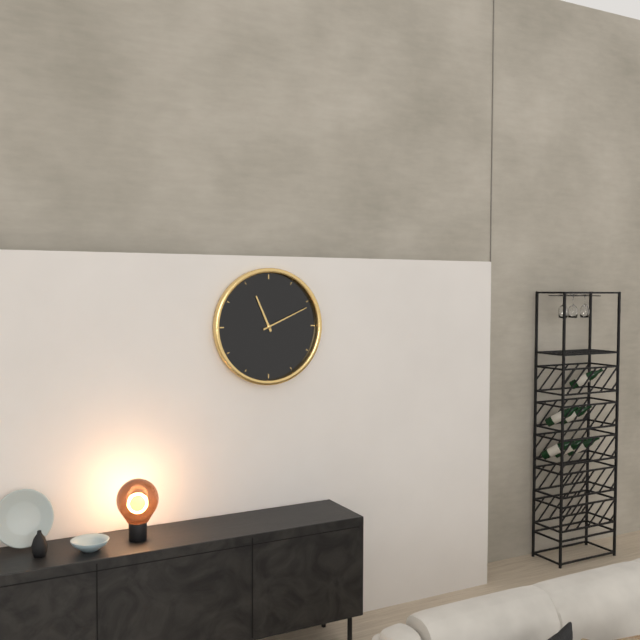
11,11
